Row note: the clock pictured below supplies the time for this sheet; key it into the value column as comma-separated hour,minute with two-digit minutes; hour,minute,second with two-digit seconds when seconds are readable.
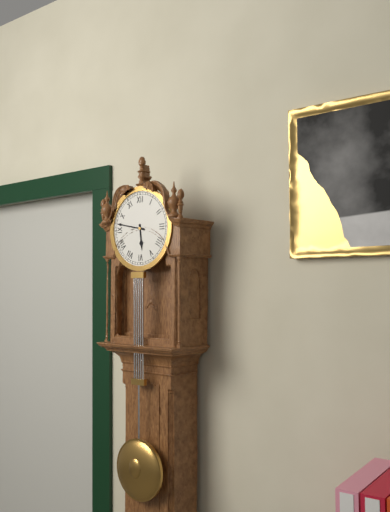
5,47
